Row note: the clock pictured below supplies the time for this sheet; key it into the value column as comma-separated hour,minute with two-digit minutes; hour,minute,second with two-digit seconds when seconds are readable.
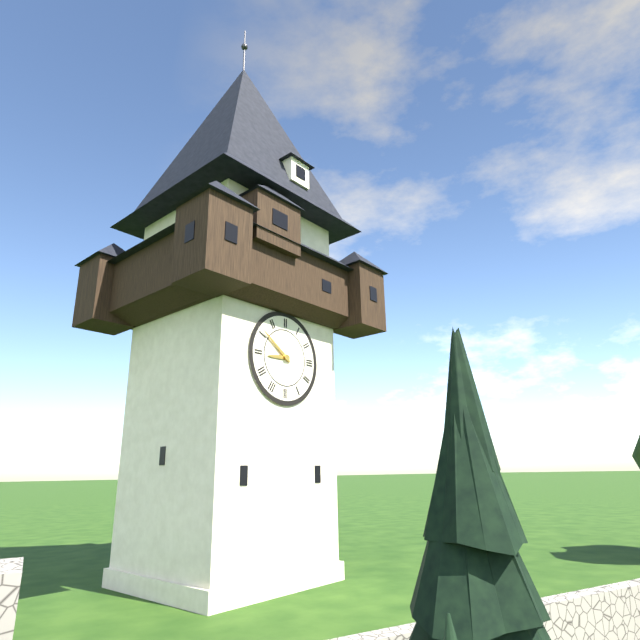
8,51
